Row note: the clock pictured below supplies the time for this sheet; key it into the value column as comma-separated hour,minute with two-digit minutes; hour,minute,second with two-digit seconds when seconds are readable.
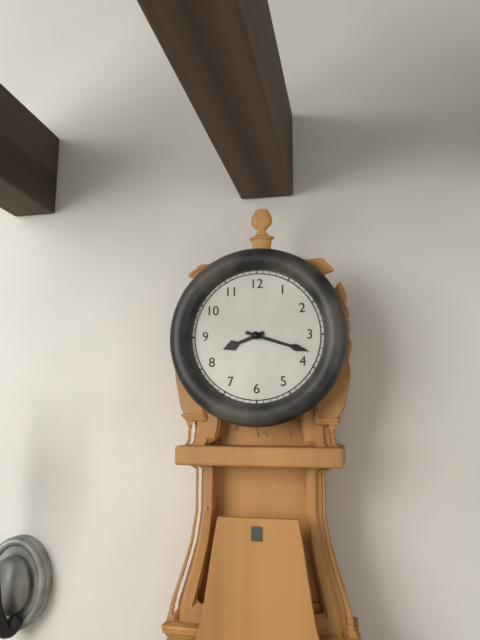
8,18
